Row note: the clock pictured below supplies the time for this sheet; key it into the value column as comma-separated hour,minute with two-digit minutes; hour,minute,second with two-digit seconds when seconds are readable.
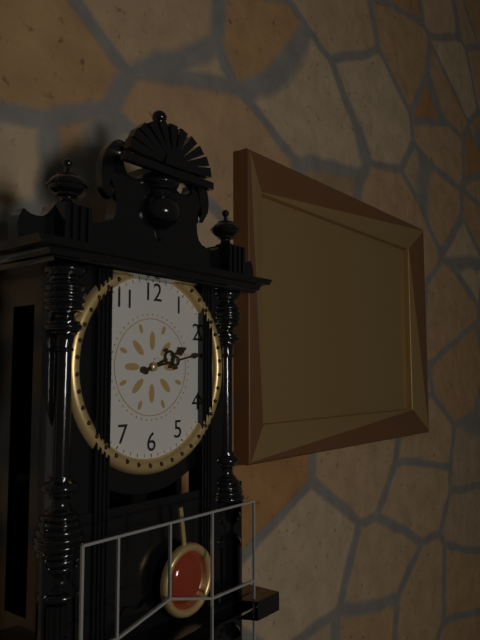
2,13
